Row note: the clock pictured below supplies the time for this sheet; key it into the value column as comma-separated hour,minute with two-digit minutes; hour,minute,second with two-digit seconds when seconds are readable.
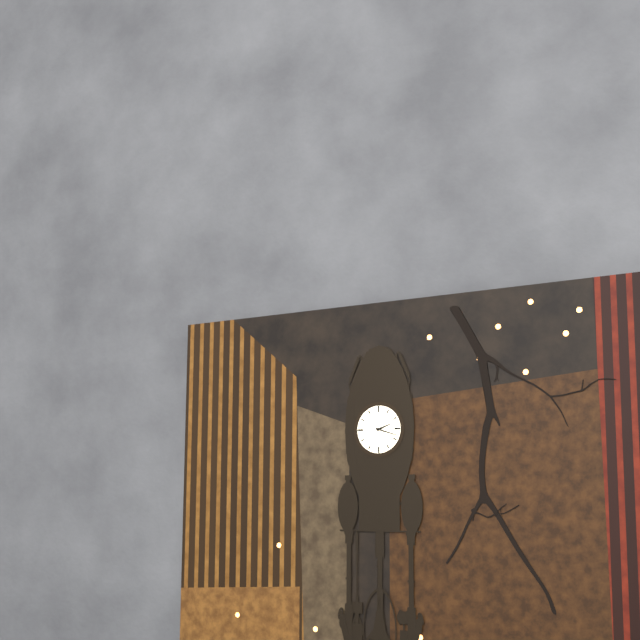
2,18
